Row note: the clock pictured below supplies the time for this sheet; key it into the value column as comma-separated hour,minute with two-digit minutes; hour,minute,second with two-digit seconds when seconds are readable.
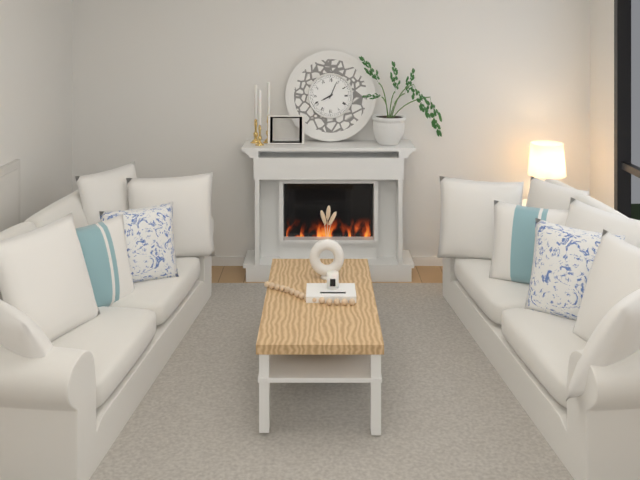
8,04
